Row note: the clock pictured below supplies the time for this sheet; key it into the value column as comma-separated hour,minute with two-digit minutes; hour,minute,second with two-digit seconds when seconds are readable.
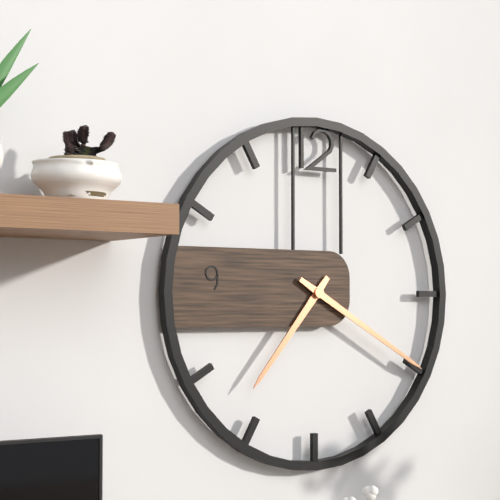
7,20
